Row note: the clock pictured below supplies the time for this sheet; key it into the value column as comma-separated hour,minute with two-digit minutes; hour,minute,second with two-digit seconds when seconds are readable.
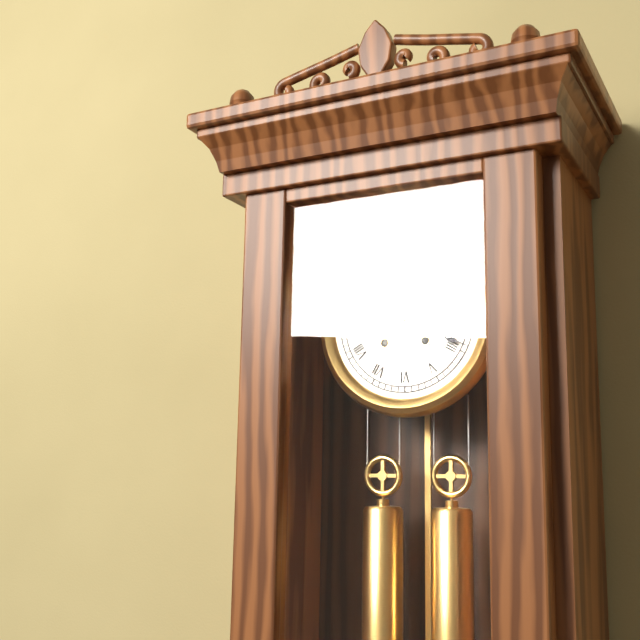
9,19
